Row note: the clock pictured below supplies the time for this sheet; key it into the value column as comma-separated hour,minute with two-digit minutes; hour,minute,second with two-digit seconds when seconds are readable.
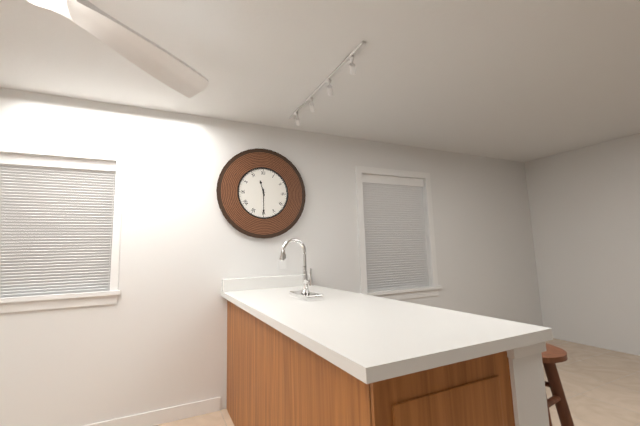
11,30
